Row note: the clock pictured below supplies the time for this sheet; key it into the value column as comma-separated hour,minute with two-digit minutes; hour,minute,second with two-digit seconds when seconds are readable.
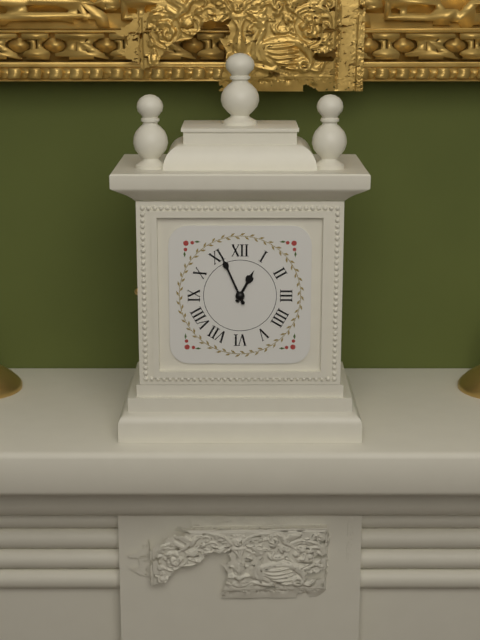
12,56
